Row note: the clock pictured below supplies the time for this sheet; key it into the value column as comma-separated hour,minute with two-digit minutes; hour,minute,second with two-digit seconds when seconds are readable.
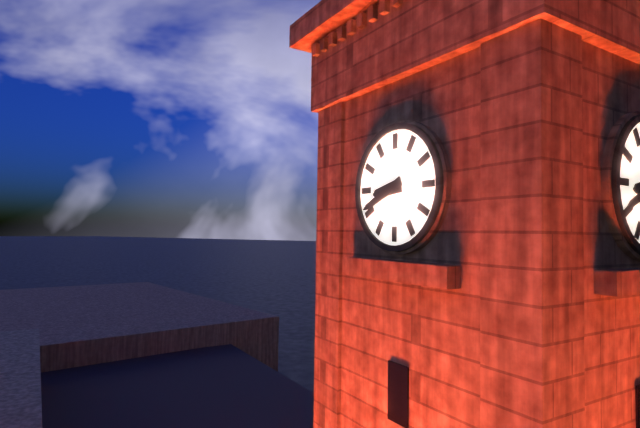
8,41
